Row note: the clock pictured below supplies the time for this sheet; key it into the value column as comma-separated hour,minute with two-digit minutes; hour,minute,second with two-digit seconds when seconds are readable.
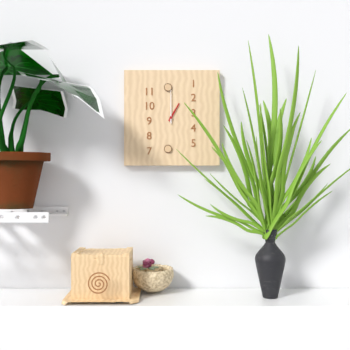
1,00
